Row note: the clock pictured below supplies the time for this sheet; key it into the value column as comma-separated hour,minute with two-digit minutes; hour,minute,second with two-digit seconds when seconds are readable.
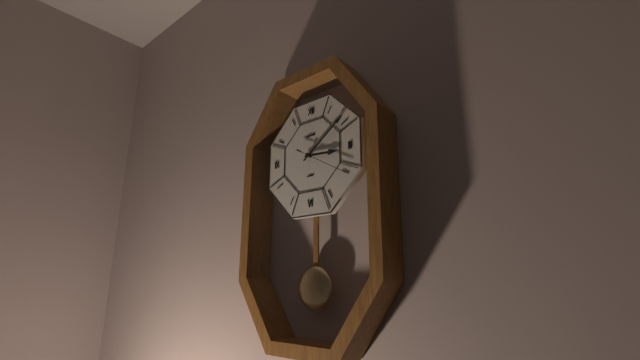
3,09
